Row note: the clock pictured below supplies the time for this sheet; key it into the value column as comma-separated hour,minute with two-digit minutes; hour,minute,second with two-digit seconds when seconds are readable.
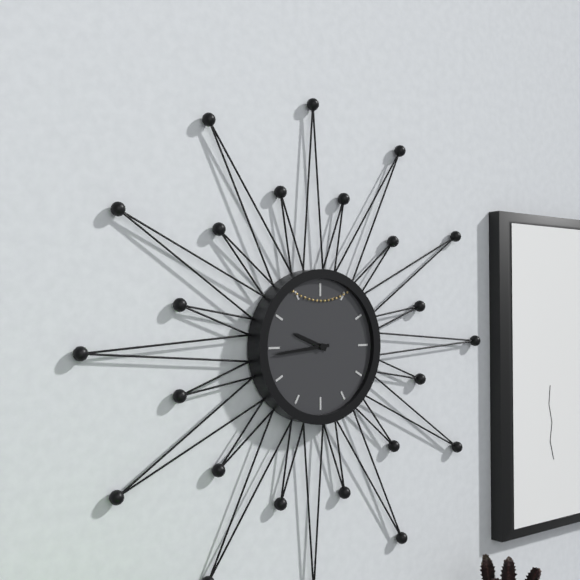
9,44
